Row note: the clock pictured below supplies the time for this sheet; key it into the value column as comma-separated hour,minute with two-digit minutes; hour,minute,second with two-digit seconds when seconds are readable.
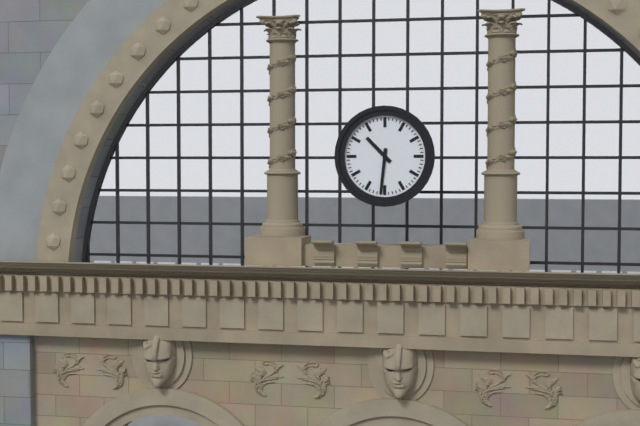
10,31
